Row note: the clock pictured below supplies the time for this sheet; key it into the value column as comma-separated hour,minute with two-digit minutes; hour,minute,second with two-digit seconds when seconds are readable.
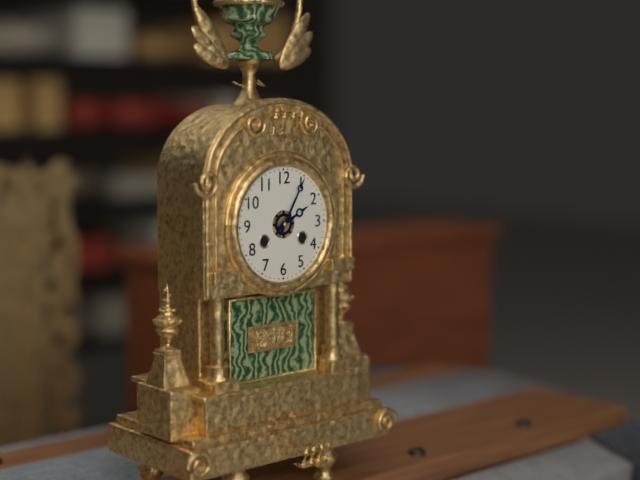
2,05
